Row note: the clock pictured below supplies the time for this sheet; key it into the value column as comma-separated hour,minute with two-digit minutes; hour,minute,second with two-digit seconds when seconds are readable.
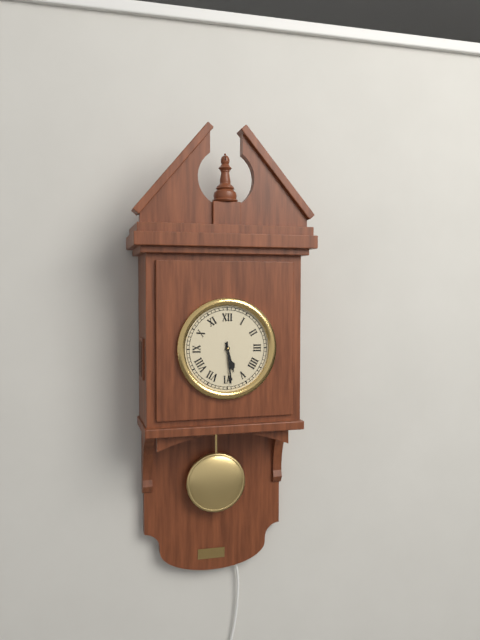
5,29
